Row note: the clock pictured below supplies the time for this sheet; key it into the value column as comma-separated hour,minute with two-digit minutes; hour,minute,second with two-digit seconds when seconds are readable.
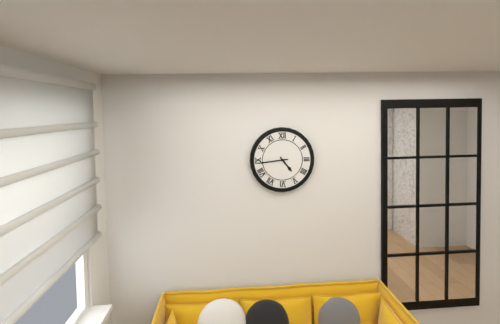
4,44
